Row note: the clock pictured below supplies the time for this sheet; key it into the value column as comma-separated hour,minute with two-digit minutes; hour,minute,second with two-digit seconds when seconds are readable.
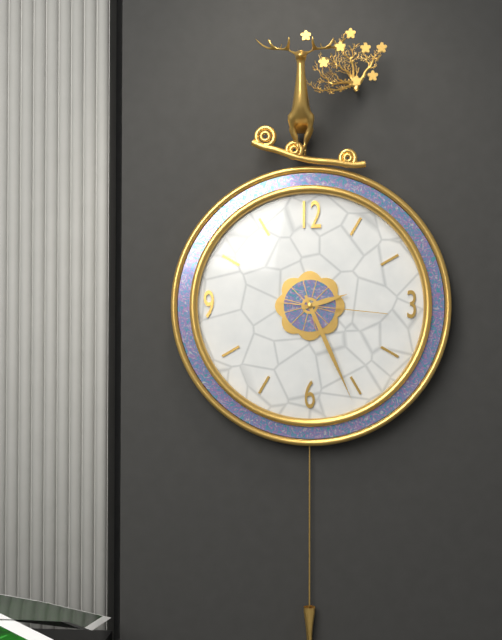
2,26,16
